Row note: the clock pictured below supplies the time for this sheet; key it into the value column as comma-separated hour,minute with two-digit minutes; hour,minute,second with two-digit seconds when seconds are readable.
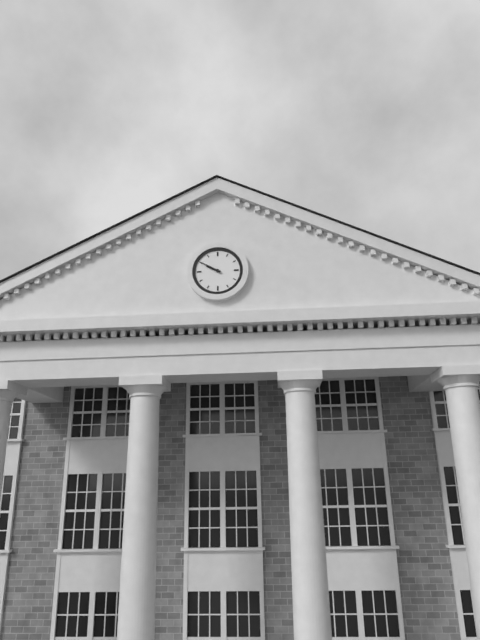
9,50
